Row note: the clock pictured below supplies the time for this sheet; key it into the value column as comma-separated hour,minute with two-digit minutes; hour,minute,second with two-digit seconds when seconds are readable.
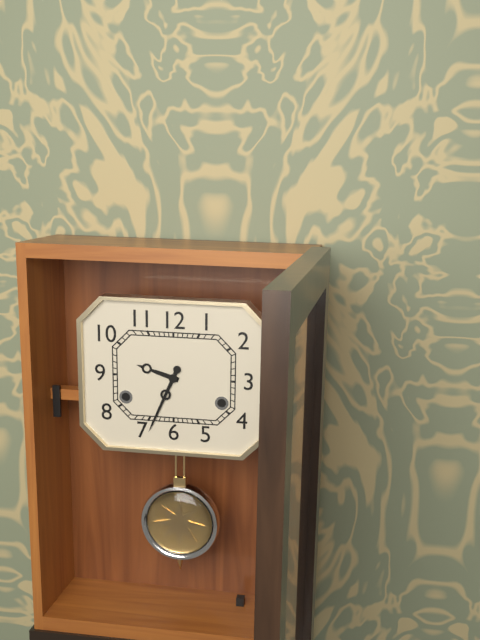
9,34
